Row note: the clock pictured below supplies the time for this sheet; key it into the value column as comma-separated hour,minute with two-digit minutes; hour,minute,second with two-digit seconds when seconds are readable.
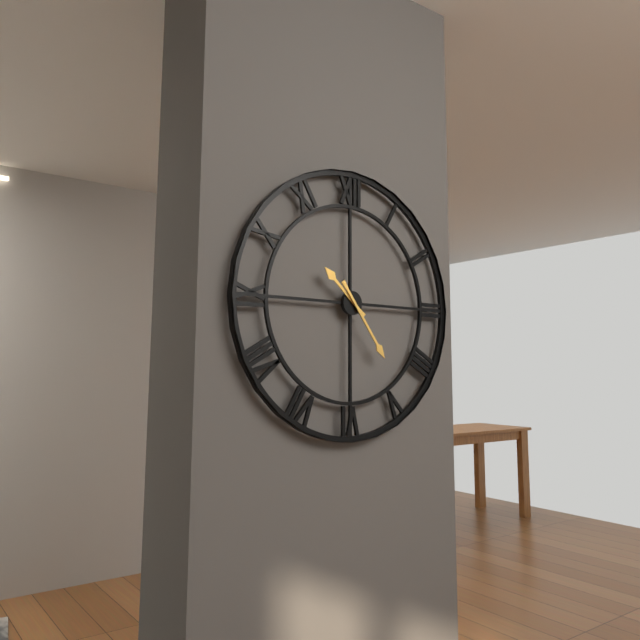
10,24
